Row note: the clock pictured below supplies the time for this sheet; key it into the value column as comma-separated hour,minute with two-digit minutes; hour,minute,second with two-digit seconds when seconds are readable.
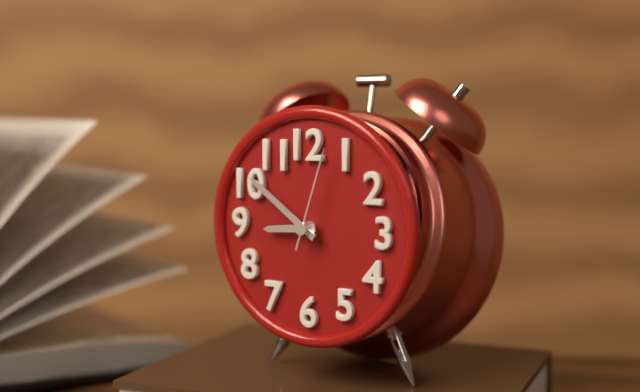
8,51,03
